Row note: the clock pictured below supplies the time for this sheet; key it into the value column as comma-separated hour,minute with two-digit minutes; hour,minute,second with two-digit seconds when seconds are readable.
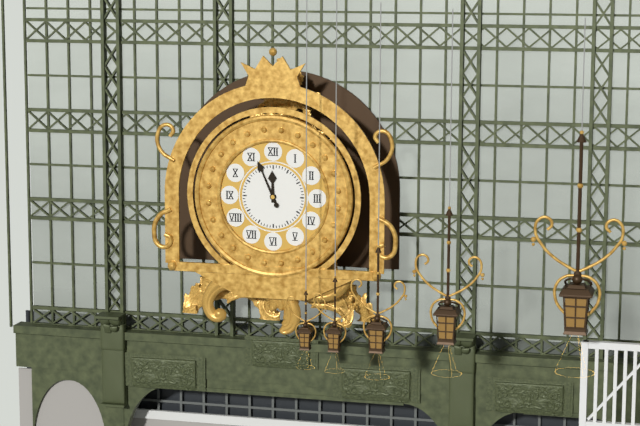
11,56
